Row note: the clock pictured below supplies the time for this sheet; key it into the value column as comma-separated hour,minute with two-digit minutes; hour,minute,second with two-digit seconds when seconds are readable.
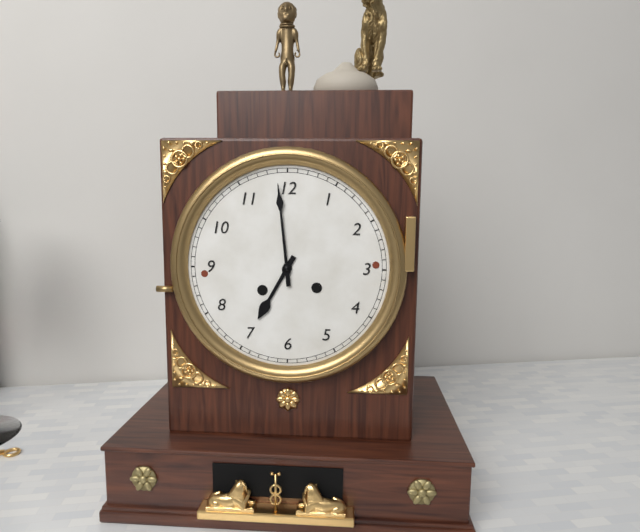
6,59
